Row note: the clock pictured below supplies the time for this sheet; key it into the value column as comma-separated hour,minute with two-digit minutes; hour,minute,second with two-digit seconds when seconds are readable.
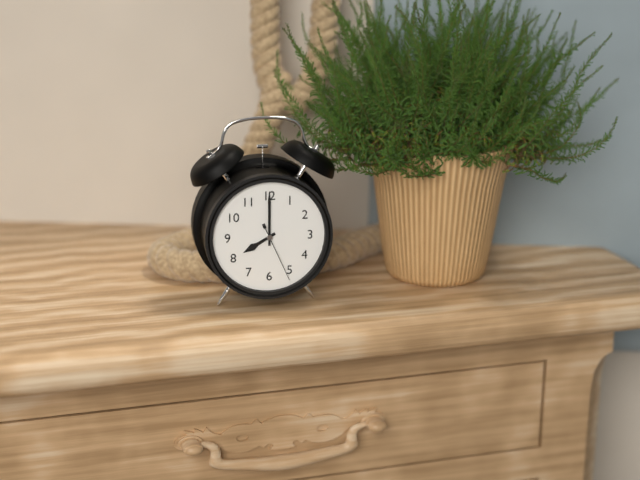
8,00,26
